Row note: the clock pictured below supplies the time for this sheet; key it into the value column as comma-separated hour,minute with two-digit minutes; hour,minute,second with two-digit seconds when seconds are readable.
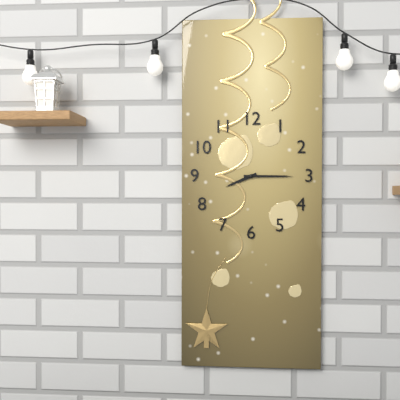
8,15
